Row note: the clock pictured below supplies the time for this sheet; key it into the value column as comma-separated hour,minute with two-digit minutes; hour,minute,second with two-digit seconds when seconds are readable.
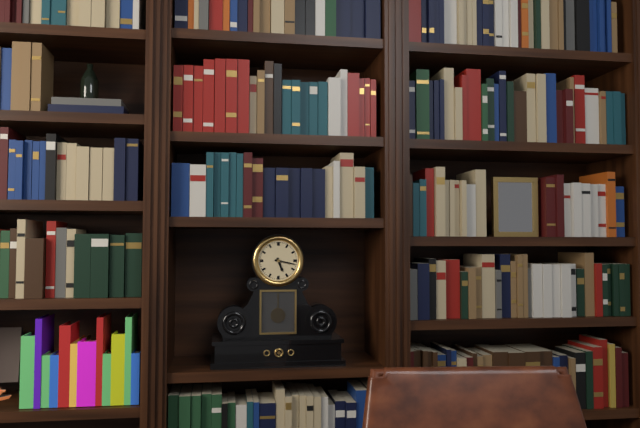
5,17
